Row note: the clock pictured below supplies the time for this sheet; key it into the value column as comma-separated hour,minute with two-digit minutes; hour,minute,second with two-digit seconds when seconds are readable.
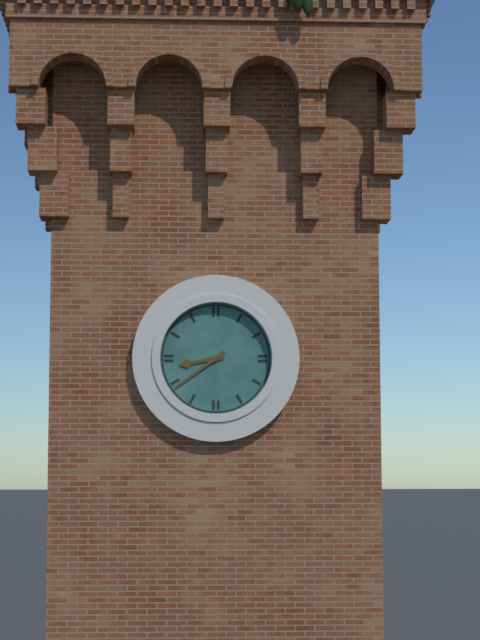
8,39
